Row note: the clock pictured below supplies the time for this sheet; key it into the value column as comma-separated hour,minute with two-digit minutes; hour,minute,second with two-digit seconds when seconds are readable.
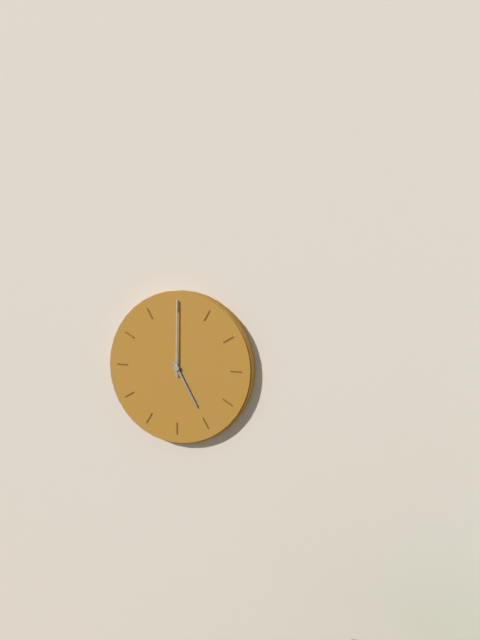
5,00
